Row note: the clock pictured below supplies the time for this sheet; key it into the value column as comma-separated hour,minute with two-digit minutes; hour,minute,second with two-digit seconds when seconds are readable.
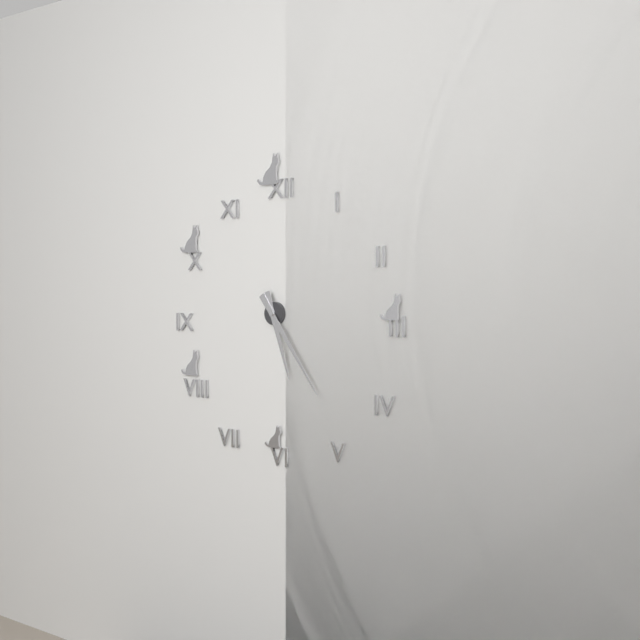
5,24
